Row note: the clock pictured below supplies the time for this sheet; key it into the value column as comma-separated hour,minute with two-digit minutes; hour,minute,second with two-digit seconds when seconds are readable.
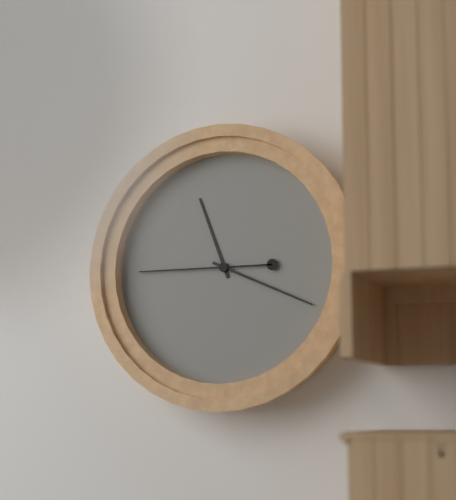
11,19,45
